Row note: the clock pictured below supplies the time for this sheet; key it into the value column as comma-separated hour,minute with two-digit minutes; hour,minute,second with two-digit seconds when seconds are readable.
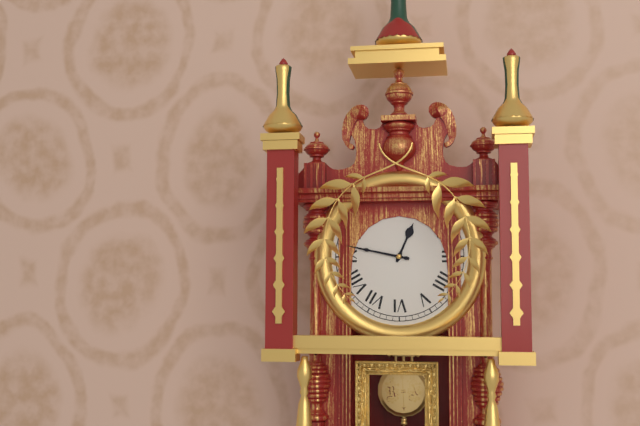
12,47
